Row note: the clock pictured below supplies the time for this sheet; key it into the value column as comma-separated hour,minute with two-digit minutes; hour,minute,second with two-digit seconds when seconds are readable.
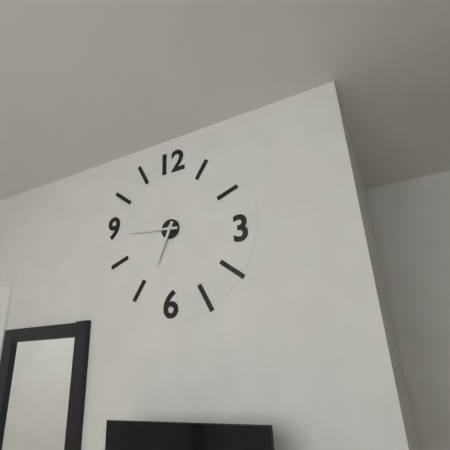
6,46
